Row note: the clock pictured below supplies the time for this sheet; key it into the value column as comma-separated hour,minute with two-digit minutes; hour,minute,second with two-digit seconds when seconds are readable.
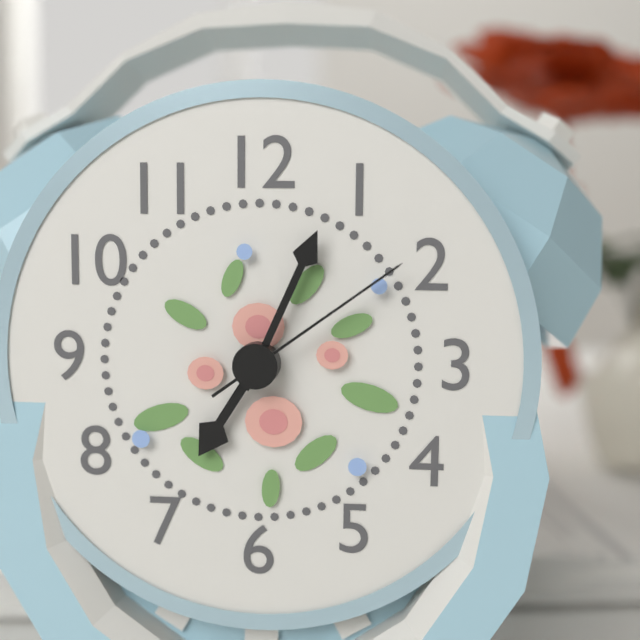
7,04,09
